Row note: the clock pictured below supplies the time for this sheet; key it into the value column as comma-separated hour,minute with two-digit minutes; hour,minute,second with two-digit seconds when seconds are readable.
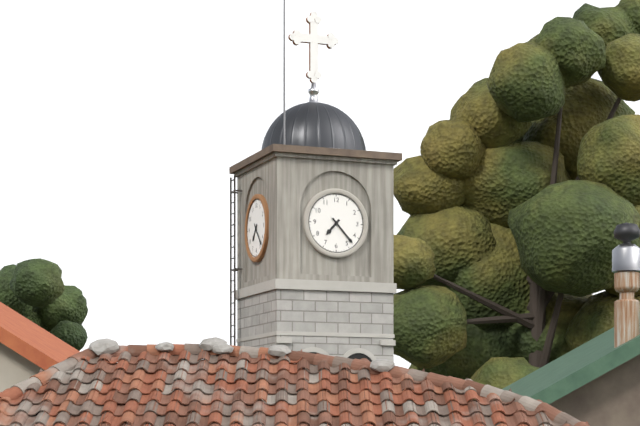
7,23
